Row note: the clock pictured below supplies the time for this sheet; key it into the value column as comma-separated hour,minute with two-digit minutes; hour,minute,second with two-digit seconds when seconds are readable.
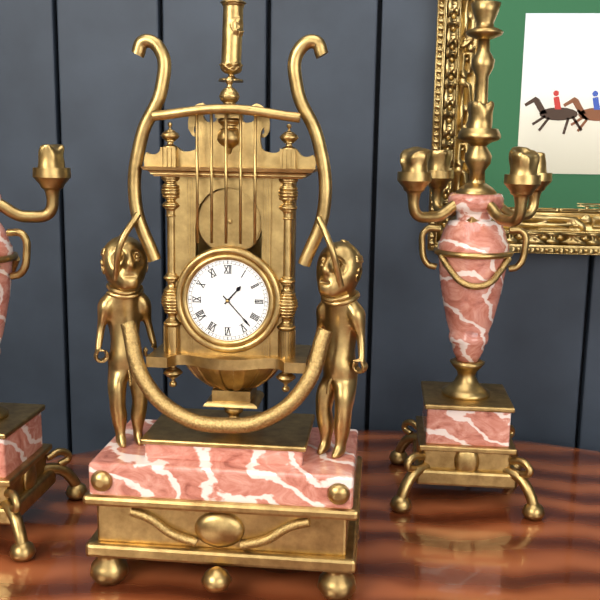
1,23
